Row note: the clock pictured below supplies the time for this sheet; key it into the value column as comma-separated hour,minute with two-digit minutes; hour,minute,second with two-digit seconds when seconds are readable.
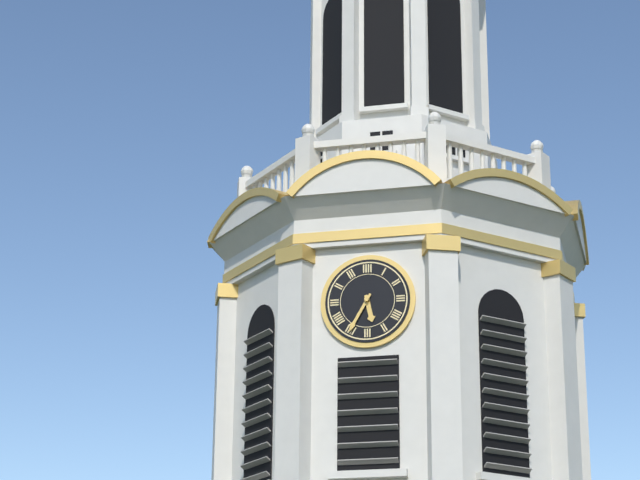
5,35
